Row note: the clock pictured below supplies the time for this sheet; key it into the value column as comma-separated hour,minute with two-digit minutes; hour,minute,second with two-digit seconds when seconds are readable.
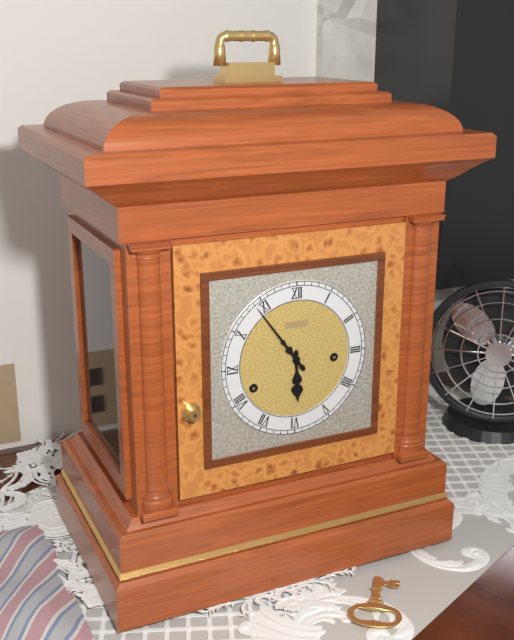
5,54
